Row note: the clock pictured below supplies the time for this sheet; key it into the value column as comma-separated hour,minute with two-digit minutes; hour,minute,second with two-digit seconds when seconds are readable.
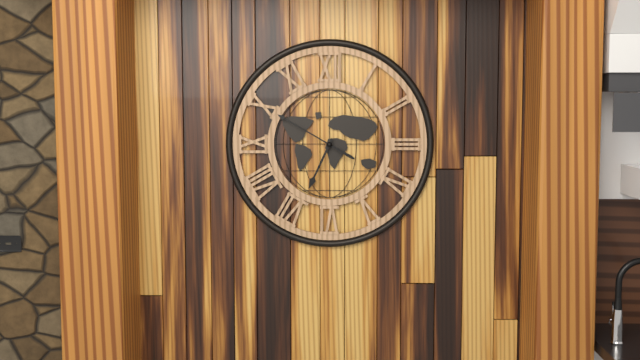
6,50
